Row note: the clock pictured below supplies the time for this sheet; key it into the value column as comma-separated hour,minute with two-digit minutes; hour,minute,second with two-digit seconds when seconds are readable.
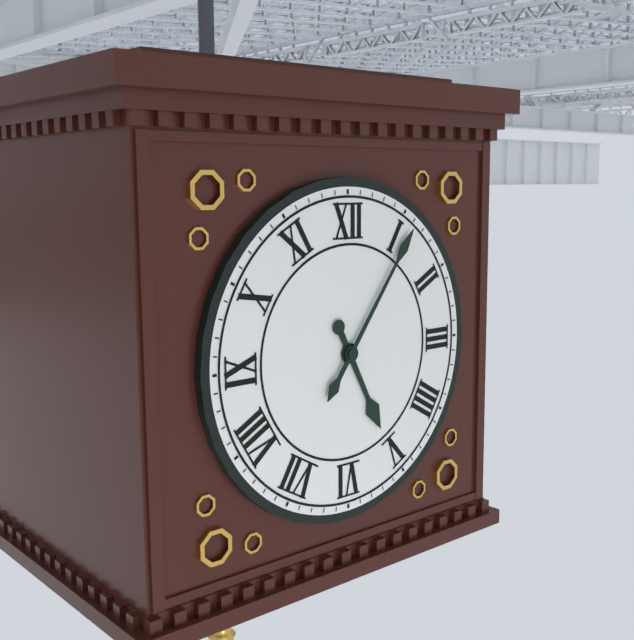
5,06
